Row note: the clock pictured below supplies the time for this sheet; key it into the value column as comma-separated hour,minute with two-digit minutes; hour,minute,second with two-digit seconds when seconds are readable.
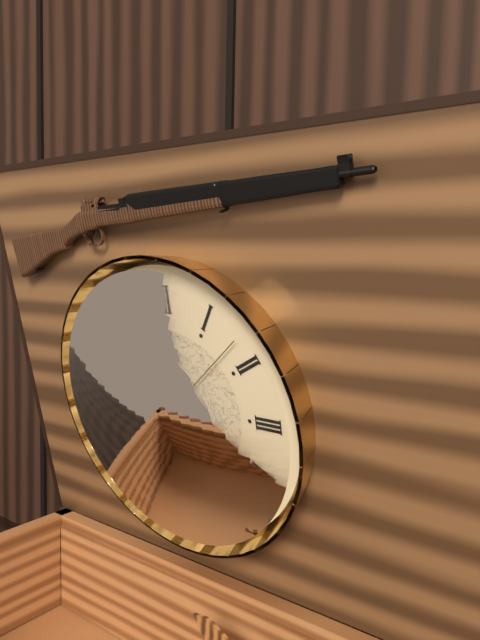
7,24,08
